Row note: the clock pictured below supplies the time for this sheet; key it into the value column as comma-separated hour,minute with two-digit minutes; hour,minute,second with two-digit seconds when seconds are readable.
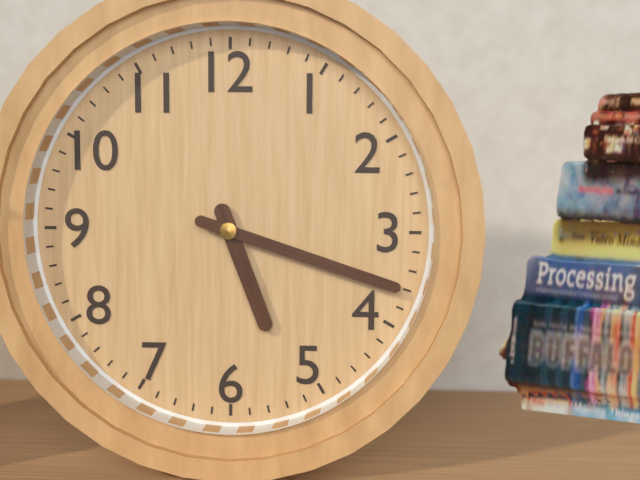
5,18
